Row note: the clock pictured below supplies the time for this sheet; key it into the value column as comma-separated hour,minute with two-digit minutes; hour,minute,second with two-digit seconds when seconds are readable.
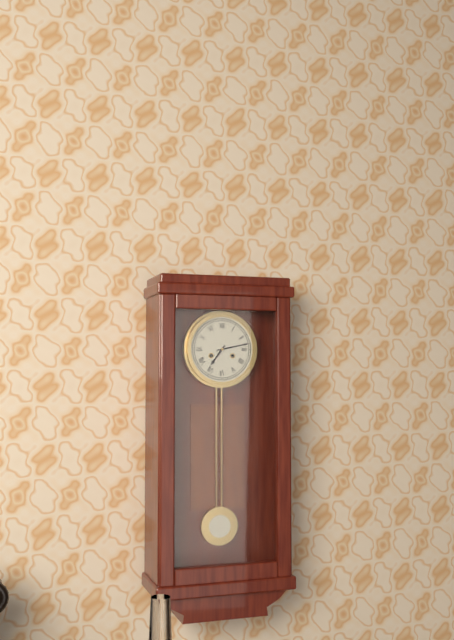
7,13
